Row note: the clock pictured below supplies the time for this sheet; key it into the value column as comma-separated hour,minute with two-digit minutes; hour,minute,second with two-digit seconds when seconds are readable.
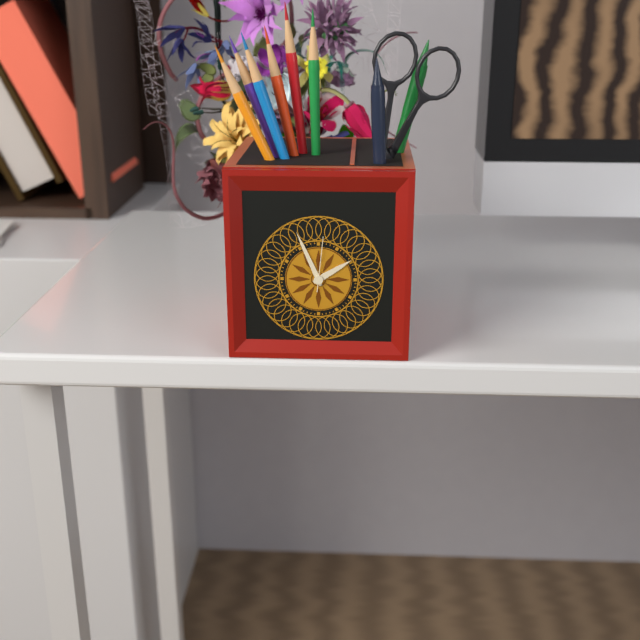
1,56,01
